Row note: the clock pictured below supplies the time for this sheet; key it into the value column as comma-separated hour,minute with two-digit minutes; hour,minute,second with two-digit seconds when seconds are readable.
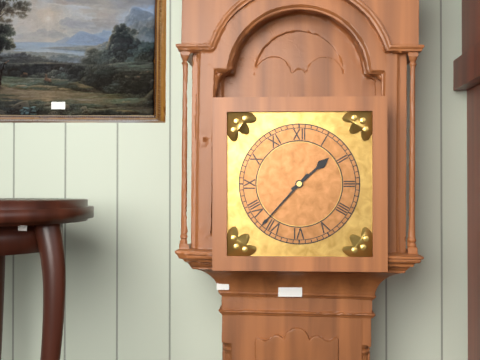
1,37
